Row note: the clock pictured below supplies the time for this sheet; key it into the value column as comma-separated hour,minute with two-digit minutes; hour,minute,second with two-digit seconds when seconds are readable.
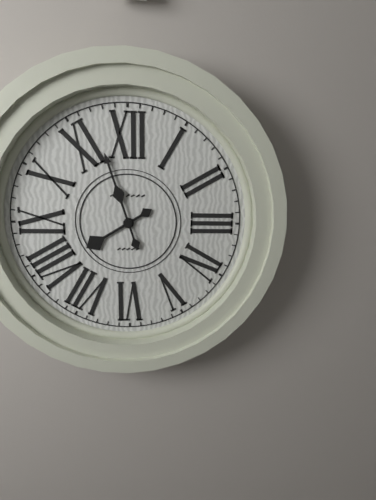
7,57
